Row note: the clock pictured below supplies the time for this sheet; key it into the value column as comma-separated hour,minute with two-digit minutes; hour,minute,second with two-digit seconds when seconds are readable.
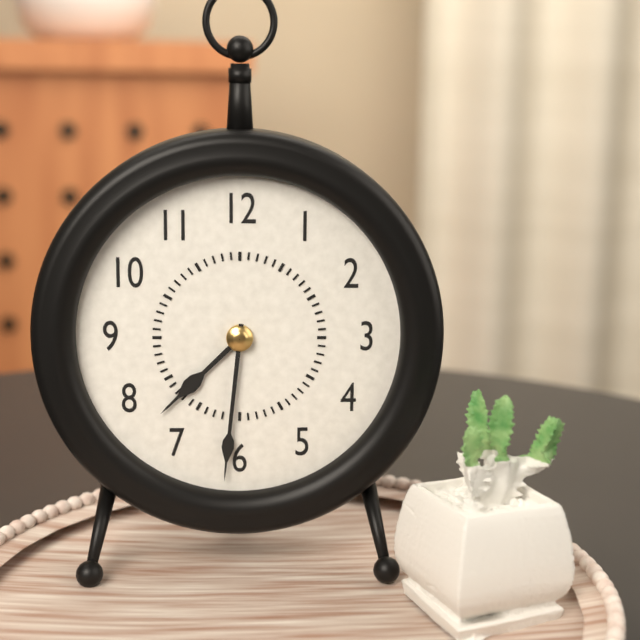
7,31
